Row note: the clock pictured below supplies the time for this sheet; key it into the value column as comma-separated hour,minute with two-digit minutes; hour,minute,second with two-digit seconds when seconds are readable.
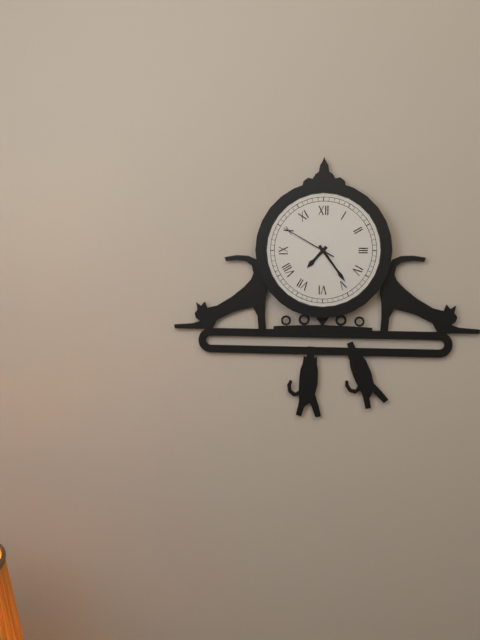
7,24,50
